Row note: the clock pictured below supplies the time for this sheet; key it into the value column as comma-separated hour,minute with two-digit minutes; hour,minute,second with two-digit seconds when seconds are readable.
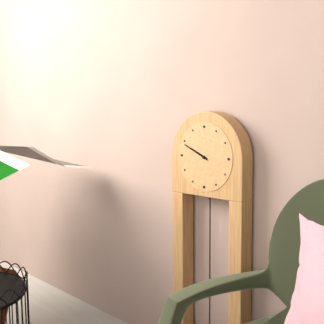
9,49
